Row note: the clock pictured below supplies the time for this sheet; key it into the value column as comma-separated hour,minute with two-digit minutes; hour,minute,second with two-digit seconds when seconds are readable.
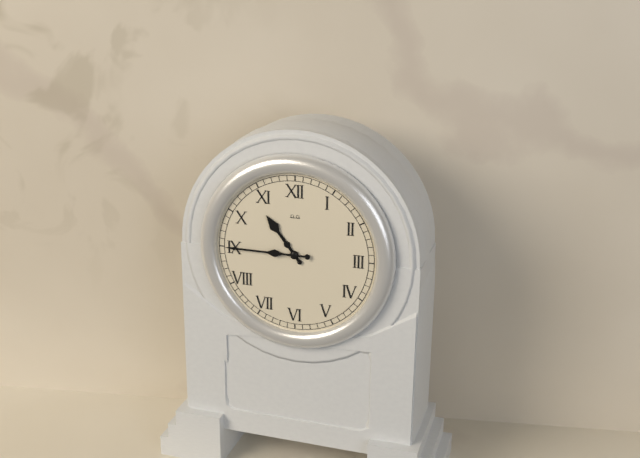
10,45
